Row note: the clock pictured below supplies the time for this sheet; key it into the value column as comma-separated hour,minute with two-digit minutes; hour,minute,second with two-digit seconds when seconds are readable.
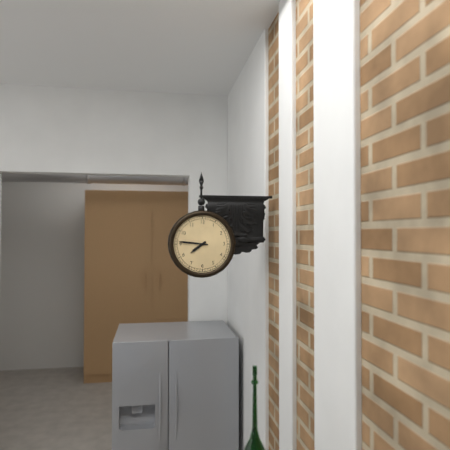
7,46
